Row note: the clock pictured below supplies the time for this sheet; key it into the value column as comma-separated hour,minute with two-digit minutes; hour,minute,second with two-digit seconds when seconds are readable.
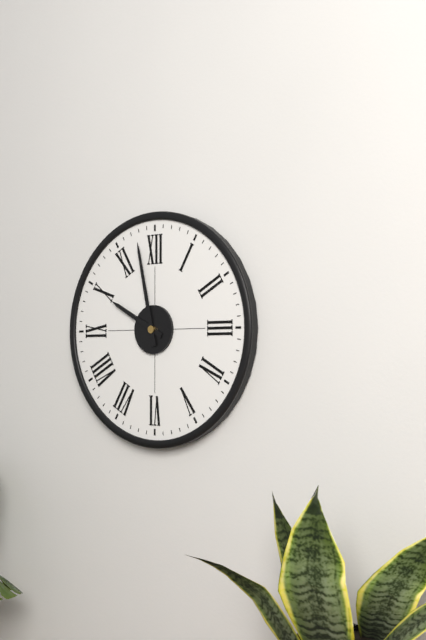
9,58
